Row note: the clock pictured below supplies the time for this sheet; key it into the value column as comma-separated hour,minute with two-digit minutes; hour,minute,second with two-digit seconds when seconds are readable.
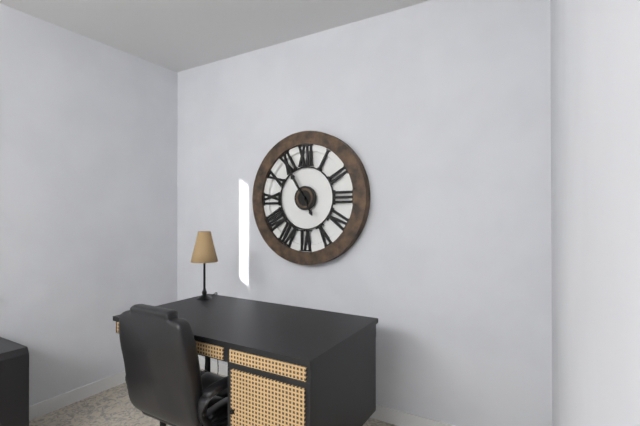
10,55
